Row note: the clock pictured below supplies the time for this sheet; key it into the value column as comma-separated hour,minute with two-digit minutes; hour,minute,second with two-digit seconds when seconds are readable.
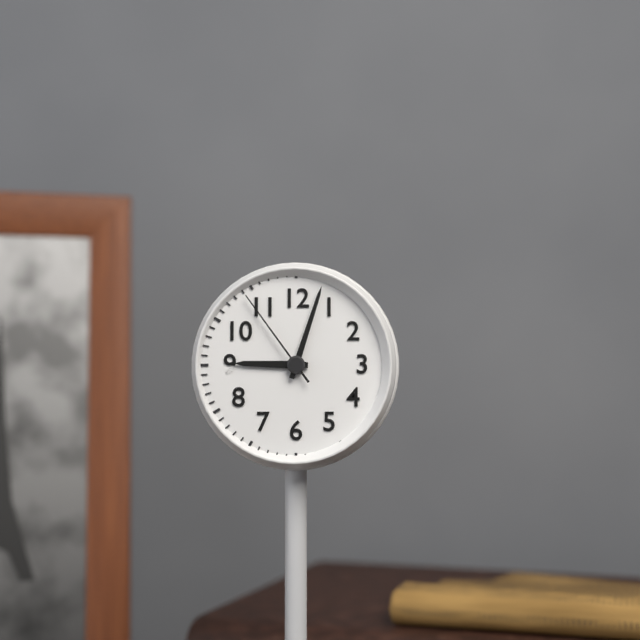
9,03,54
